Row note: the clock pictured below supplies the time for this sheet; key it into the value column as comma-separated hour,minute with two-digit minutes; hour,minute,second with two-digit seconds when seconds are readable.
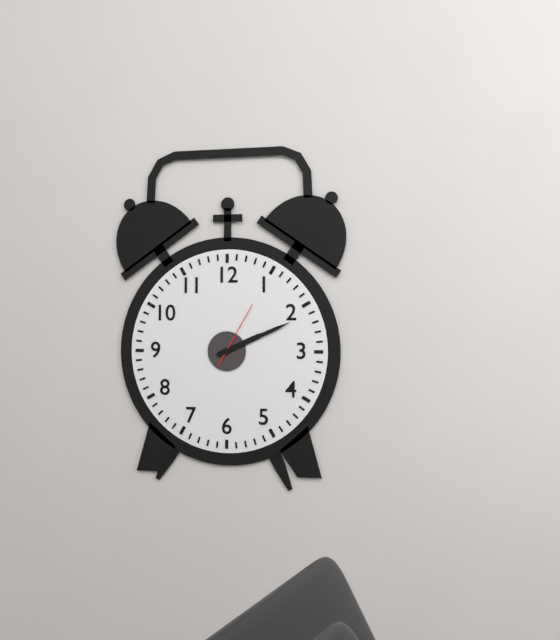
2,11,05
